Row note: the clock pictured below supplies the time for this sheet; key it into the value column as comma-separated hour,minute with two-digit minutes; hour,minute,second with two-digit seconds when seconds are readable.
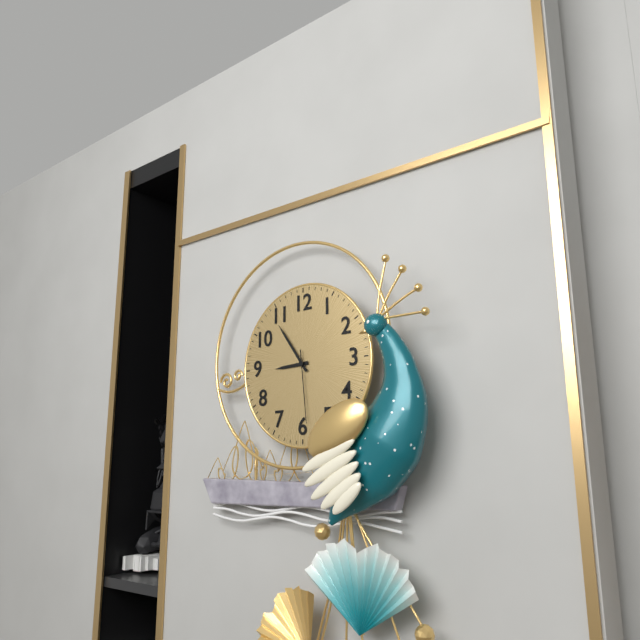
8,54,29
